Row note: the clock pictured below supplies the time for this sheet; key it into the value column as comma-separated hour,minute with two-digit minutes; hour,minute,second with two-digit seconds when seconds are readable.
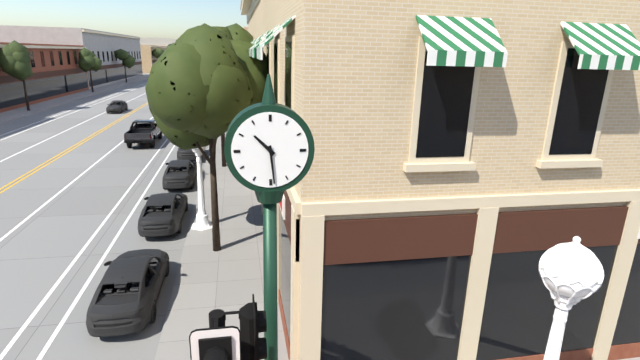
10,29
